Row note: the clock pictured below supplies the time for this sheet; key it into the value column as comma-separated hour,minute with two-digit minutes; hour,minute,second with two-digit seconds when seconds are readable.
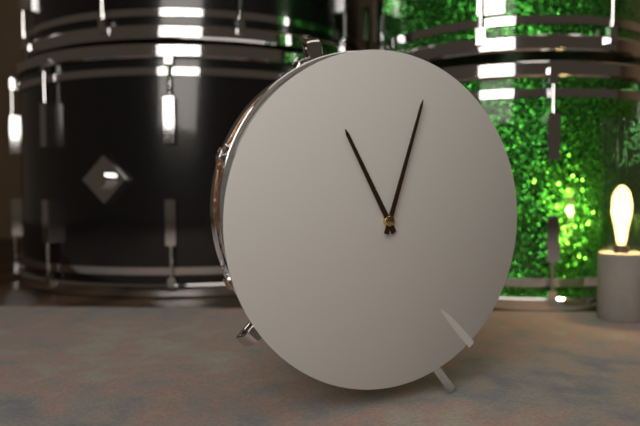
11,03
